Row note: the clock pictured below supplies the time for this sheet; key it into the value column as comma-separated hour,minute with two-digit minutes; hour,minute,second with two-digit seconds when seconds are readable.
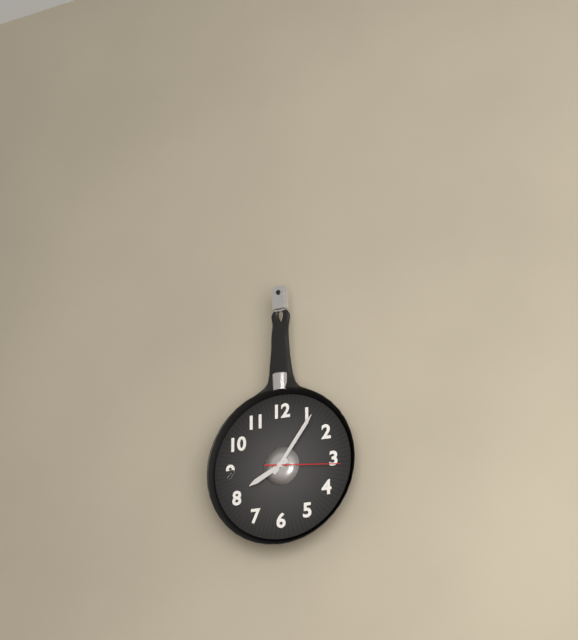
8,06,16
